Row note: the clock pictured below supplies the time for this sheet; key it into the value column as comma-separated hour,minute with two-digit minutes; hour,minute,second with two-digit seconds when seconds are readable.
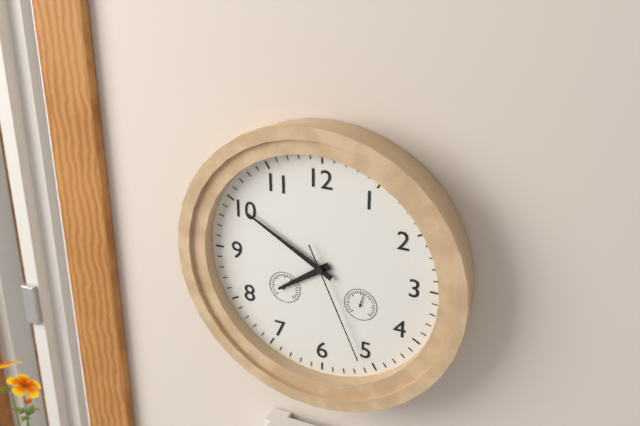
7,50,26
